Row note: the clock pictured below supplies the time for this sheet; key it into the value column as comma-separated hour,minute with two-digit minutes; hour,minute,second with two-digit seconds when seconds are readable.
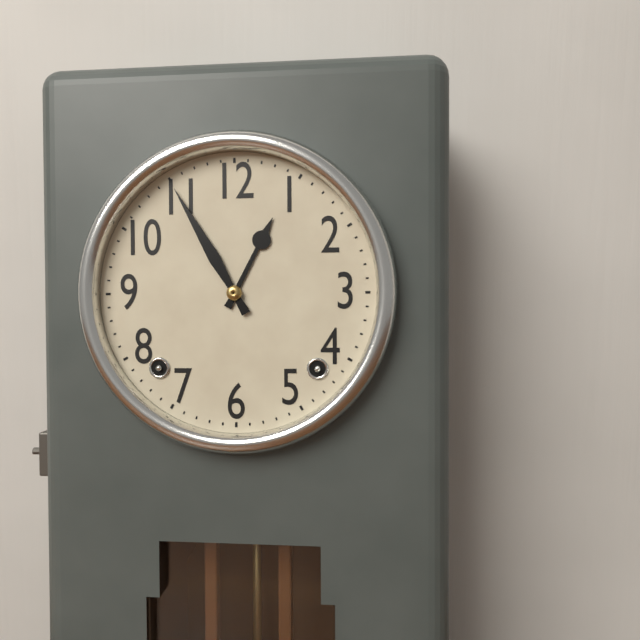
12,55
